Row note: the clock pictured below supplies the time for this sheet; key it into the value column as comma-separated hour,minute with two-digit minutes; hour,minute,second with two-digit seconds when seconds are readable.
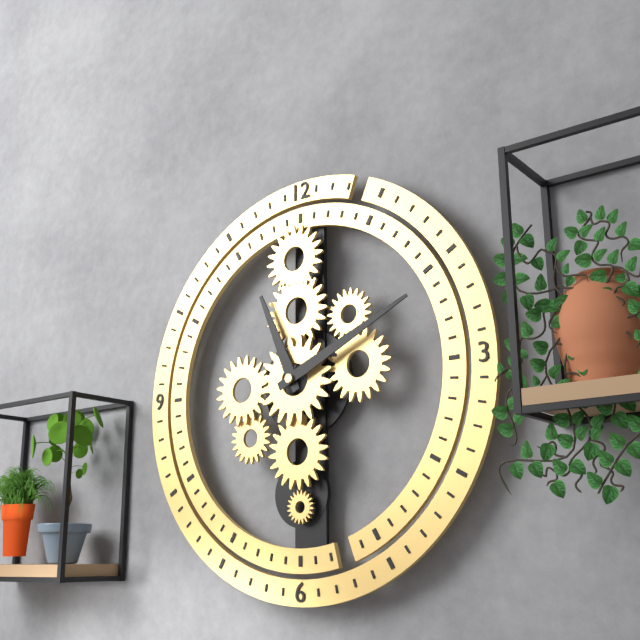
11,11
